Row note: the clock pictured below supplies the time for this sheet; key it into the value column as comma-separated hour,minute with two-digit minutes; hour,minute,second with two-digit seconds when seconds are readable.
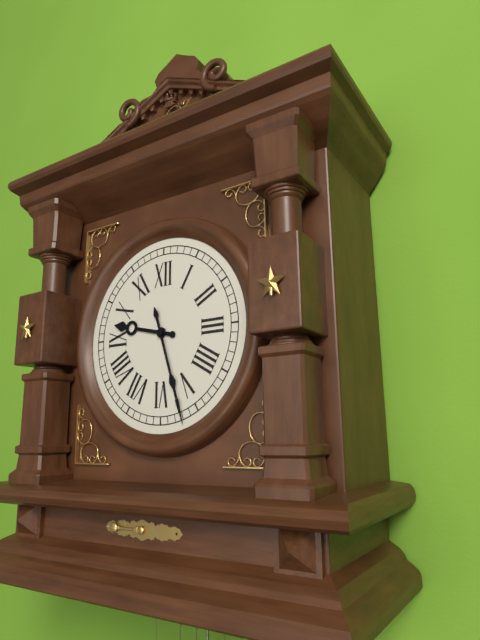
9,27
